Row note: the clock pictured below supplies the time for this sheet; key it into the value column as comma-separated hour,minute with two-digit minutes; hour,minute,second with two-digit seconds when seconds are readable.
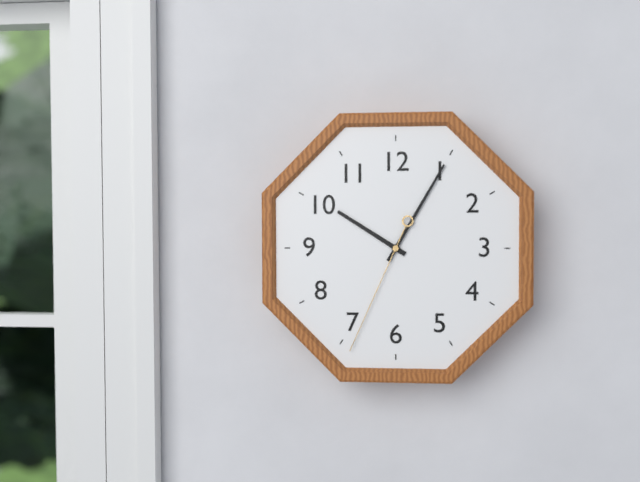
10,05,34
